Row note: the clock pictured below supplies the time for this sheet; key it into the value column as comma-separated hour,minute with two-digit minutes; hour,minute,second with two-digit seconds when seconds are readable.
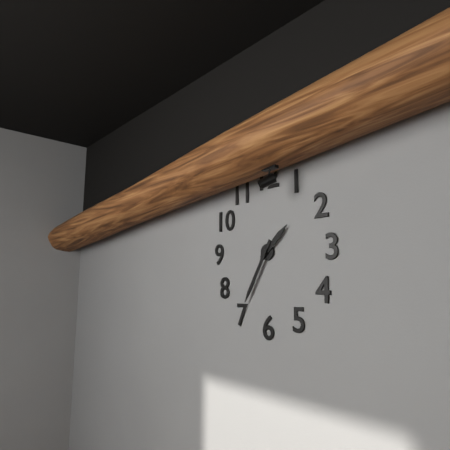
1,35
